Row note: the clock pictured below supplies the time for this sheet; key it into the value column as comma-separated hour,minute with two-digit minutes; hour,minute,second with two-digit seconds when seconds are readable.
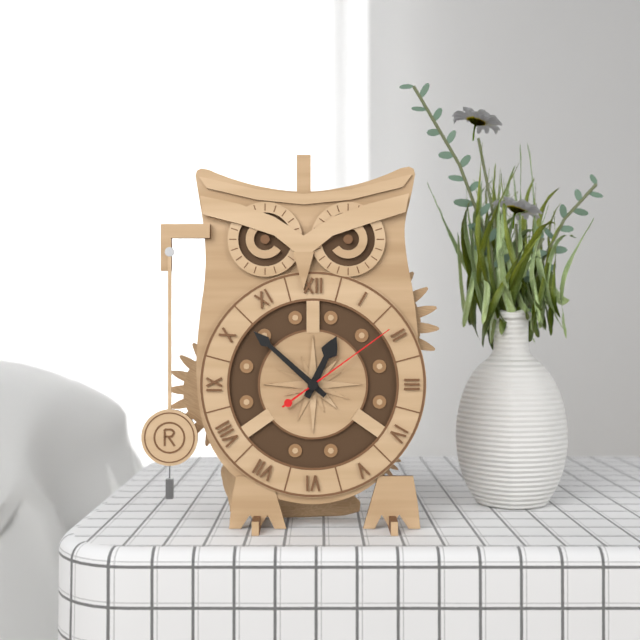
12,52,09
